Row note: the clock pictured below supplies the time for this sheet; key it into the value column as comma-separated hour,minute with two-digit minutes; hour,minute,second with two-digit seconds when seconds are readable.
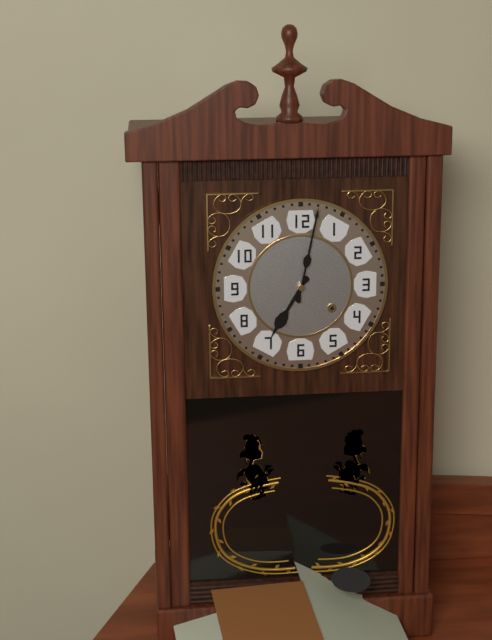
7,02
